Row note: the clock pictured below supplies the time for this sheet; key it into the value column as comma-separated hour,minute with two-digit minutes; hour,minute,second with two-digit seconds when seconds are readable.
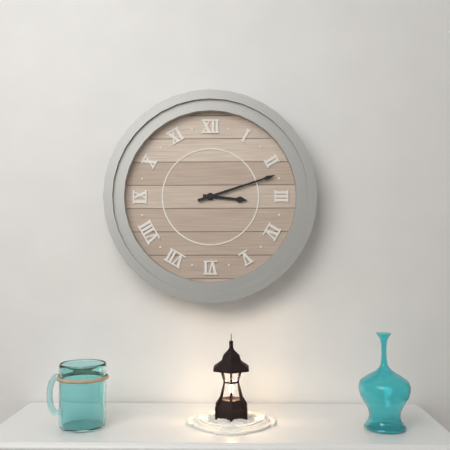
3,12
